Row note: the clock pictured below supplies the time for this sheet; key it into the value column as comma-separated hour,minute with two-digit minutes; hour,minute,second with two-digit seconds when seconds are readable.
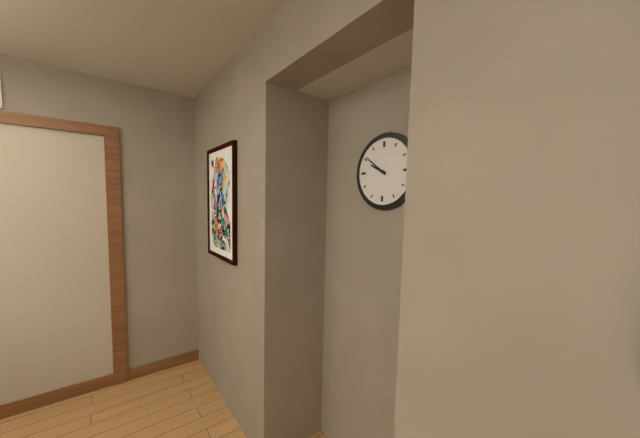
9,51
